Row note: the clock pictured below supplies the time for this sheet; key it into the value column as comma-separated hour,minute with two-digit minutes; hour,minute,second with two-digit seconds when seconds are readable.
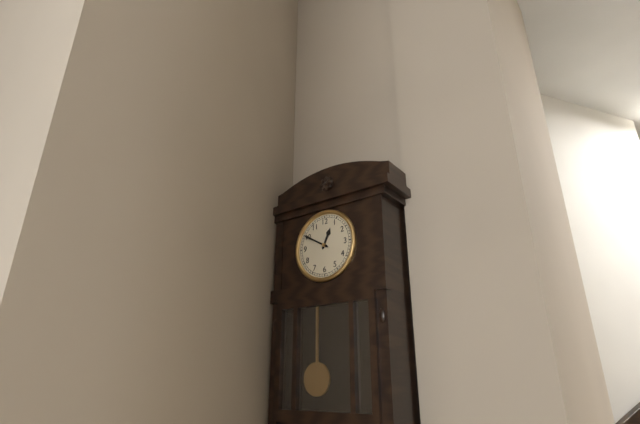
12,50
